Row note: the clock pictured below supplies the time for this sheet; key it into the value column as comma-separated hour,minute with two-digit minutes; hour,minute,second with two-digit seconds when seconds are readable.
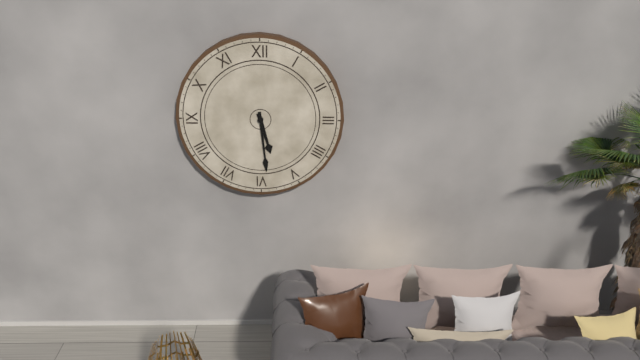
5,29
